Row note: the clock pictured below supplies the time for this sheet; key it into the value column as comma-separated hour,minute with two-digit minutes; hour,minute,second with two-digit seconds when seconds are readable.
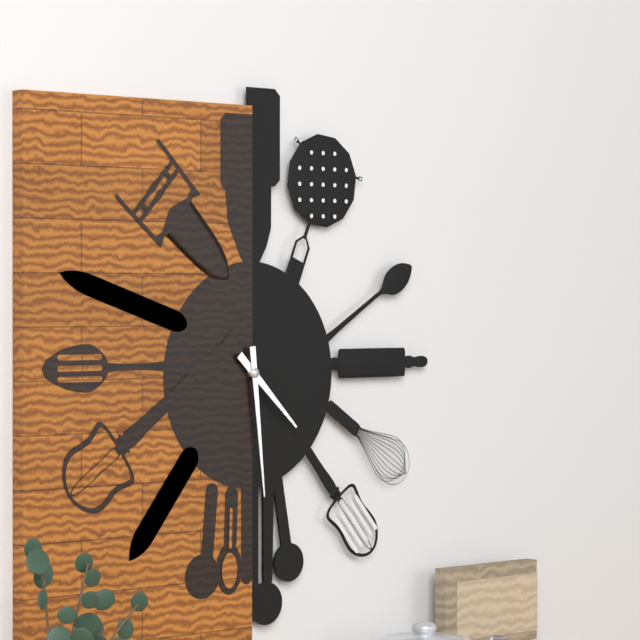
4,29
